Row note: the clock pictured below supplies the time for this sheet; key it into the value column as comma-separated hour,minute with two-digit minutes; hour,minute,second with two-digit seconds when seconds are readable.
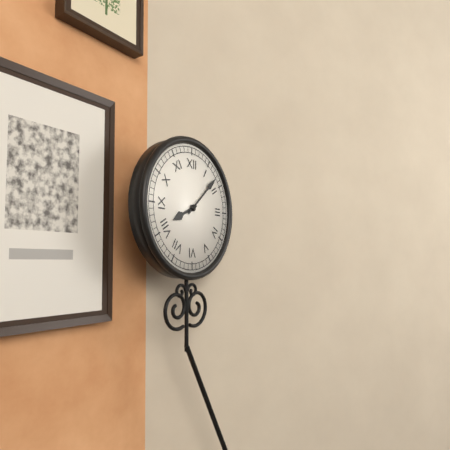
8,08
